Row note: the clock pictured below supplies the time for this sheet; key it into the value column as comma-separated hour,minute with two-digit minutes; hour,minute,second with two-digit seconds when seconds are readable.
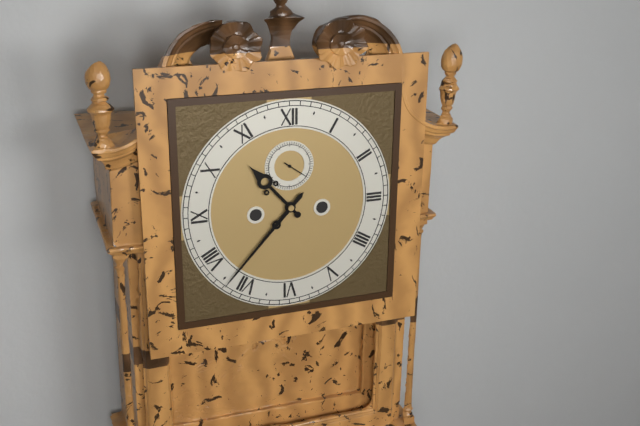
10,37
